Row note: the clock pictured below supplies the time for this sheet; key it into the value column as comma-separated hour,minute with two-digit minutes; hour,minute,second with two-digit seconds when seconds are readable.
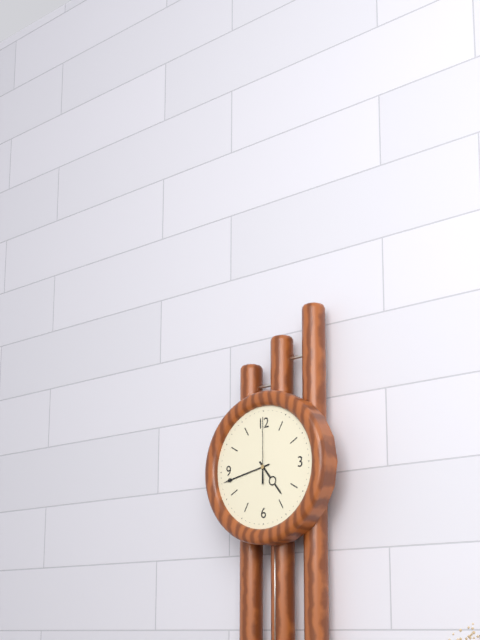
4,43,00
